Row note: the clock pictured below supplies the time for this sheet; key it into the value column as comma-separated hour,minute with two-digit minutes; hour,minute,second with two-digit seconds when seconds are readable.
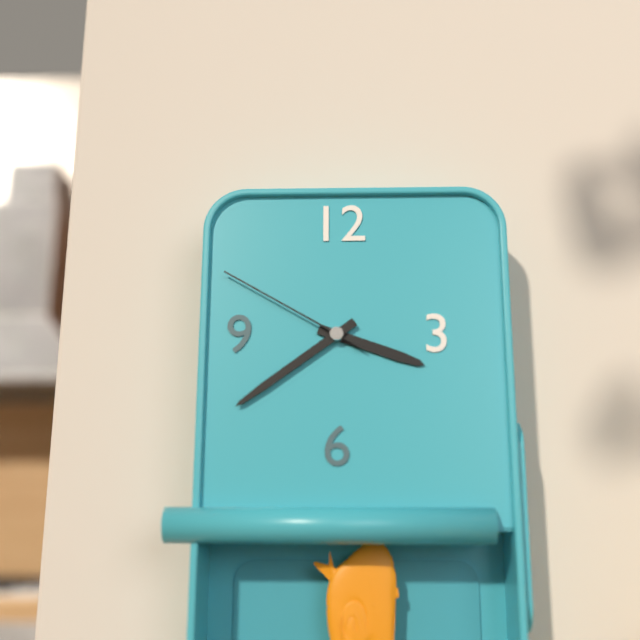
3,39,50
